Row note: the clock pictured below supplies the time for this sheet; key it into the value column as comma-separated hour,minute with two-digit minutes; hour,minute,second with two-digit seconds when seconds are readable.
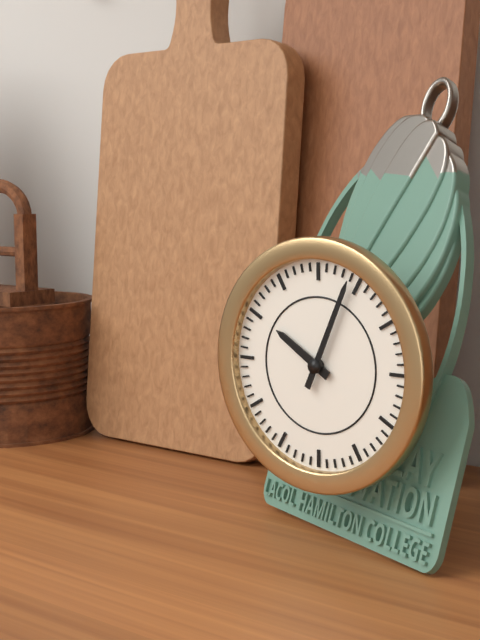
10,04
